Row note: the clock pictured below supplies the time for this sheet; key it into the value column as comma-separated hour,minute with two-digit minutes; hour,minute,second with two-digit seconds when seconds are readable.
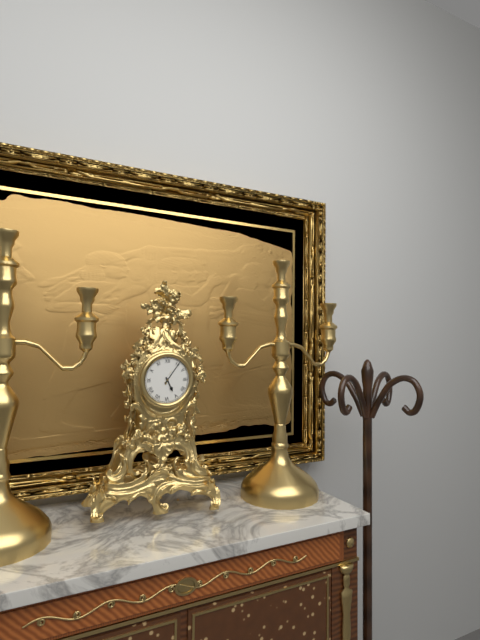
5,06
